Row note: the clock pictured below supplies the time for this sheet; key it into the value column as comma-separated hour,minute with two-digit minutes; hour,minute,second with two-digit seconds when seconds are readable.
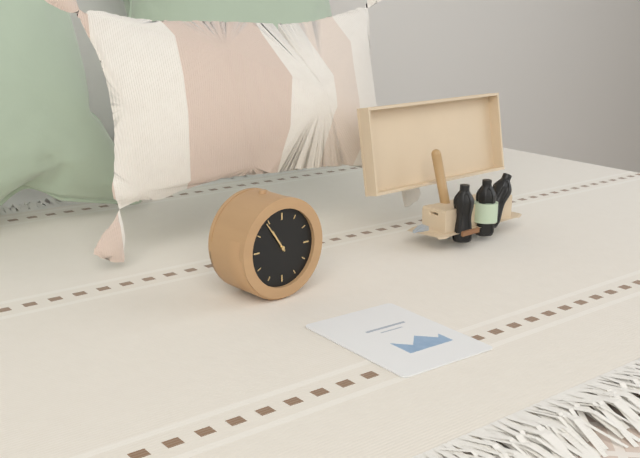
10,54
